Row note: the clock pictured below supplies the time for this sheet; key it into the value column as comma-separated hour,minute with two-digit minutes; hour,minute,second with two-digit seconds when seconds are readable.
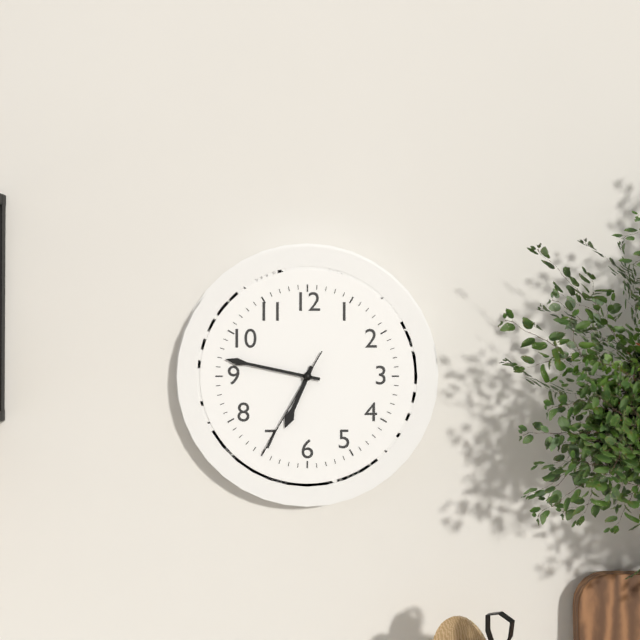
6,47,35
